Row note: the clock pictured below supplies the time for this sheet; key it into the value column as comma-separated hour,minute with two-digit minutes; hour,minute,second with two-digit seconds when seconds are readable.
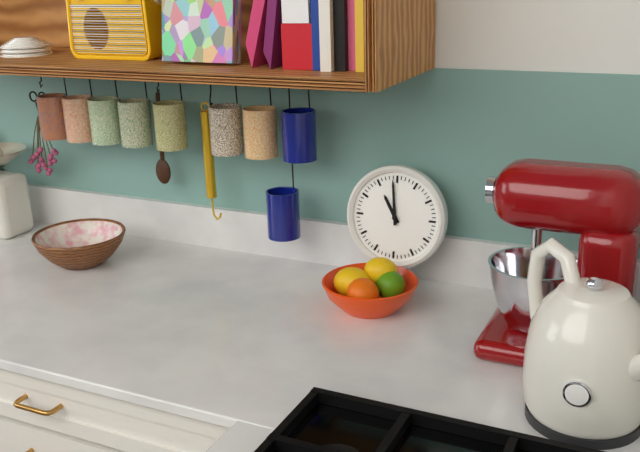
10,59
